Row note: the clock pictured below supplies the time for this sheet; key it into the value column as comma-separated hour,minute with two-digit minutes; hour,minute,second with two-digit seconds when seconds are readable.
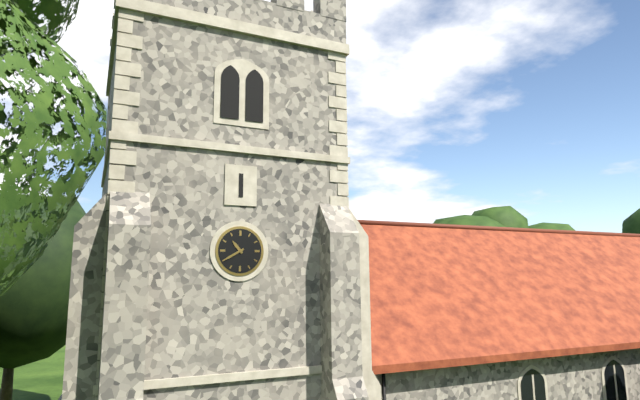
10,40
